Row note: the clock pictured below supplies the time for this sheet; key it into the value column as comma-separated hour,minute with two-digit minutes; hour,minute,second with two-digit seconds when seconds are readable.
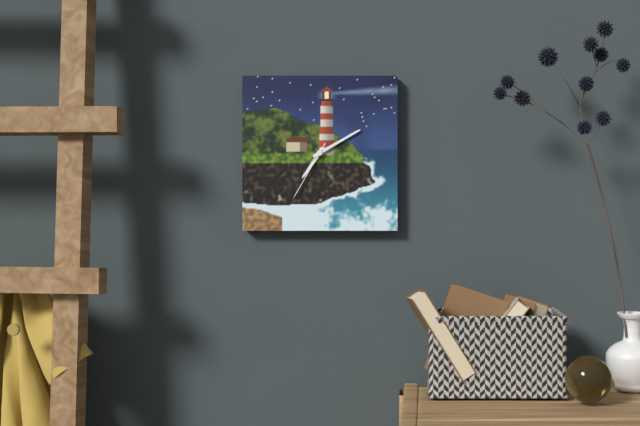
7,10,35
